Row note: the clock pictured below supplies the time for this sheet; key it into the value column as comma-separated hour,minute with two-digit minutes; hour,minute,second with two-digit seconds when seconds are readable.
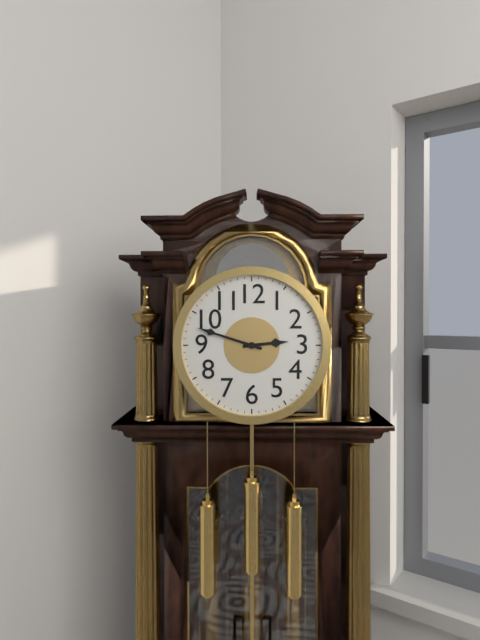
2,48
